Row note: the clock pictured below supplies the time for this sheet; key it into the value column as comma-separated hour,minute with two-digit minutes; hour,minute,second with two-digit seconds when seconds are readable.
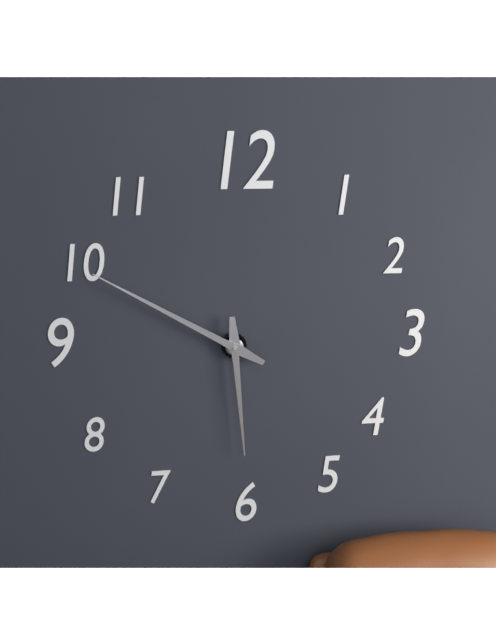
5,50
